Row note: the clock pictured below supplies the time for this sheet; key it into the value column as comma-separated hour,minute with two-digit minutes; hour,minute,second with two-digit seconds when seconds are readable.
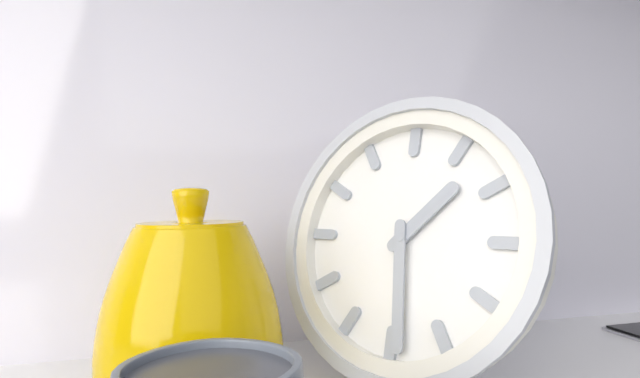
1,29
